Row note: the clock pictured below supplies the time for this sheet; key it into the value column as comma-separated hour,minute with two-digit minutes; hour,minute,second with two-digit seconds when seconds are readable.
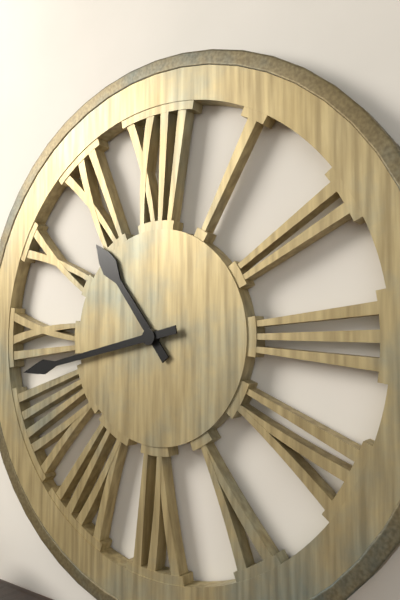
10,43
